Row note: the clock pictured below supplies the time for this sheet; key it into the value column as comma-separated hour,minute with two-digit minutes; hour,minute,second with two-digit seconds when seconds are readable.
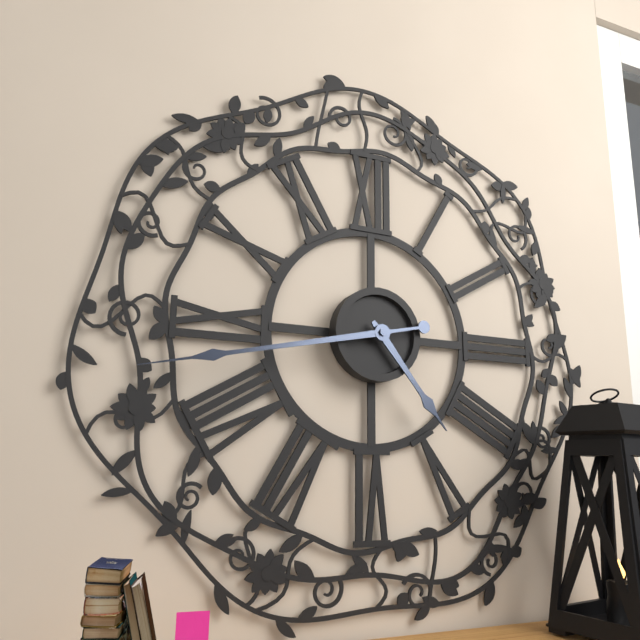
4,43
